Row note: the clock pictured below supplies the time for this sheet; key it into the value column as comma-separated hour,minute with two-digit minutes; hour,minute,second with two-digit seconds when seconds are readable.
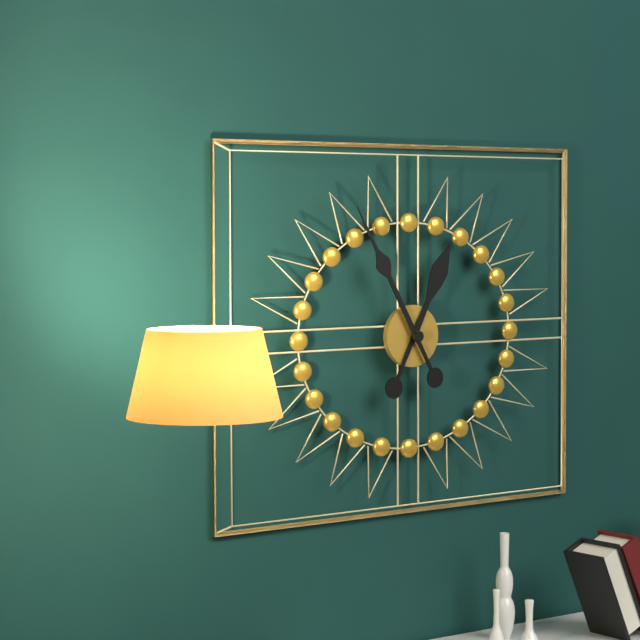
12,55
